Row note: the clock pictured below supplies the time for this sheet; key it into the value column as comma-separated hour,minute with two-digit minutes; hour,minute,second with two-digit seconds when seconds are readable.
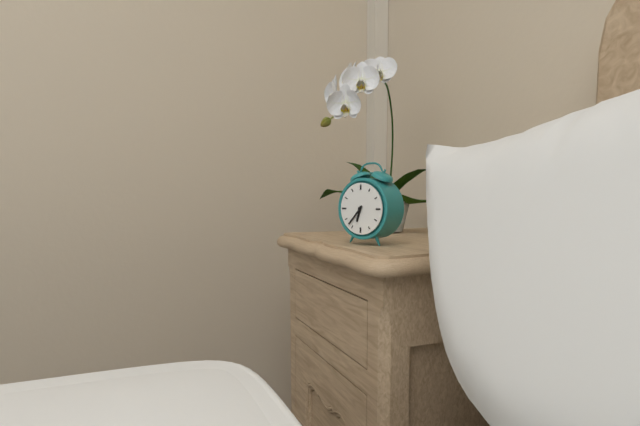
6,37
